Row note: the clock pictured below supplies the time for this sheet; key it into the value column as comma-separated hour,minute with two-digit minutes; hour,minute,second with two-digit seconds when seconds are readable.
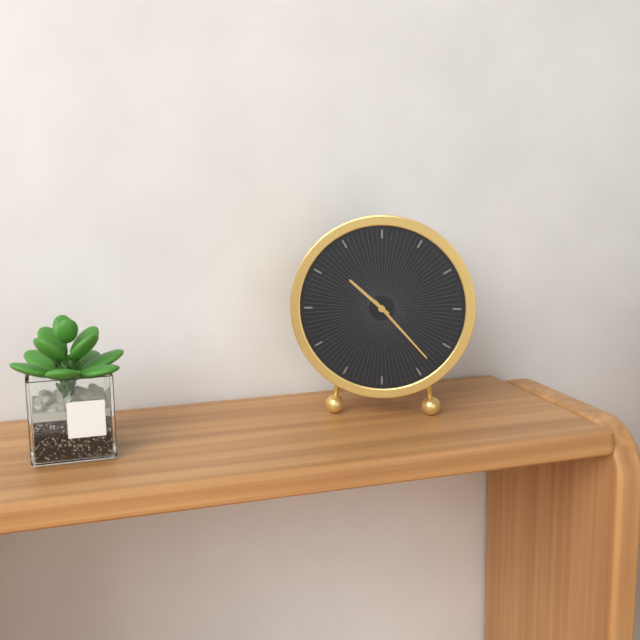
10,23
